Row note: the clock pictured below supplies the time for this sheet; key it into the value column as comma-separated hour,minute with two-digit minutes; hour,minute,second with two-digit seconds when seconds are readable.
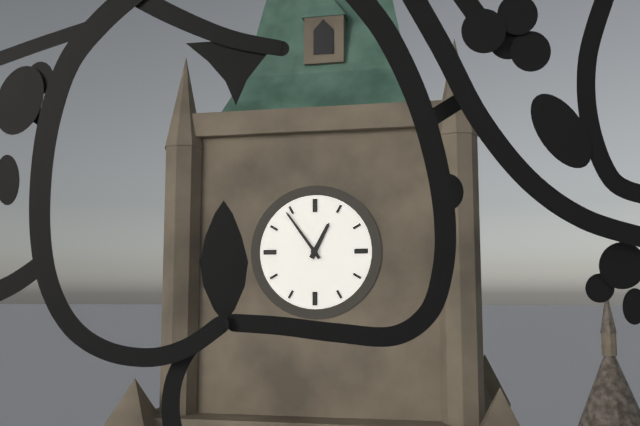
12,54
